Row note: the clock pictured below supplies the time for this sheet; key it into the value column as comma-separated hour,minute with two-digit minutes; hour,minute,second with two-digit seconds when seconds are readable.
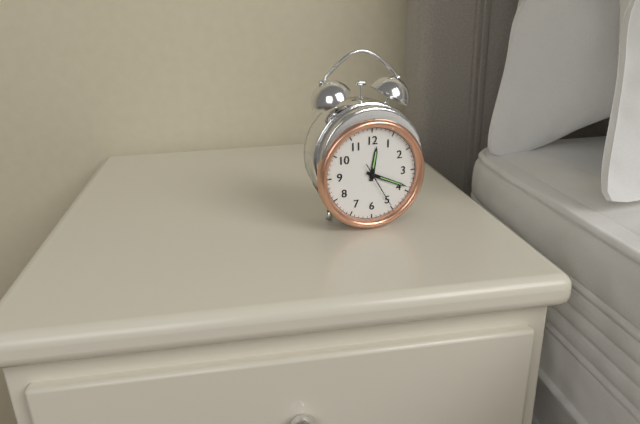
12,19
